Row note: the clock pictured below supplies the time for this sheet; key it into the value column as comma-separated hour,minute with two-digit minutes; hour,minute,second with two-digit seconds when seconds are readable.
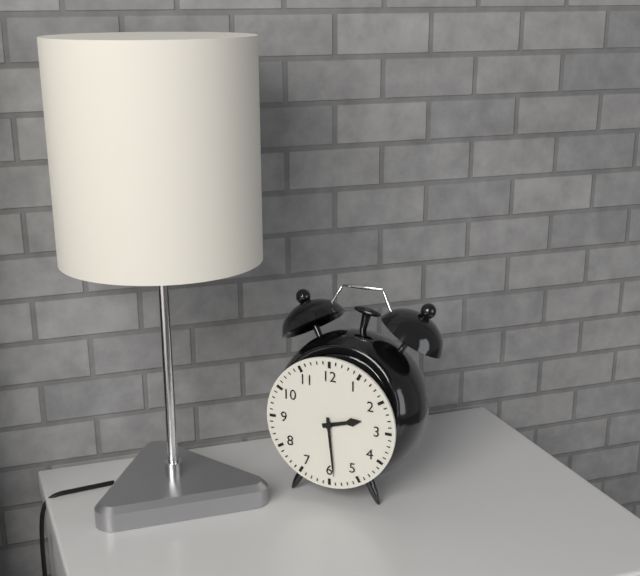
2,29
